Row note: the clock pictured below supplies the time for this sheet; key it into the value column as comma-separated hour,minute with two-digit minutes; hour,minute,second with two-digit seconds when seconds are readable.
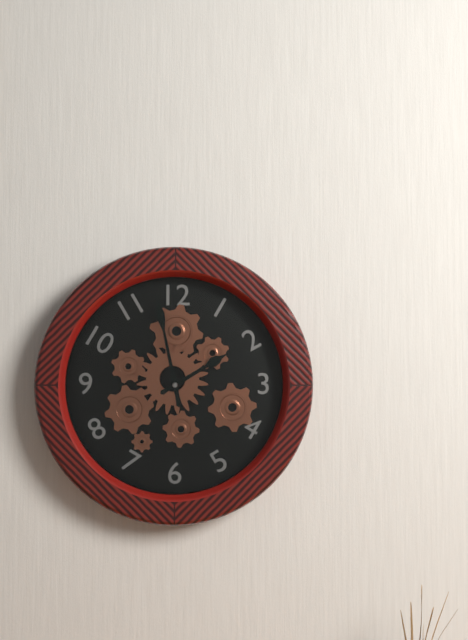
1,58
